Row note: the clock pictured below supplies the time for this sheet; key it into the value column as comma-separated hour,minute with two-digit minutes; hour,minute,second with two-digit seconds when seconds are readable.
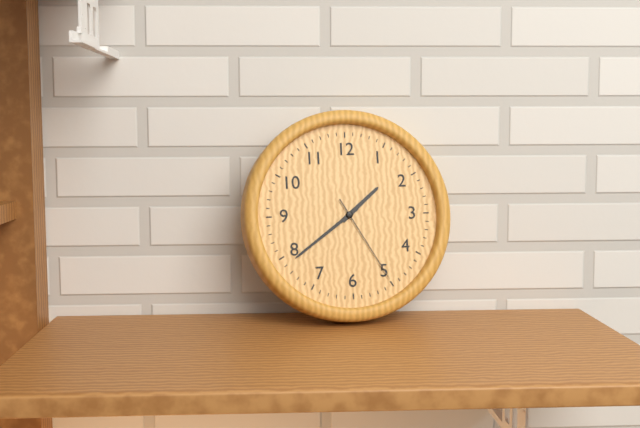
1,39,25
